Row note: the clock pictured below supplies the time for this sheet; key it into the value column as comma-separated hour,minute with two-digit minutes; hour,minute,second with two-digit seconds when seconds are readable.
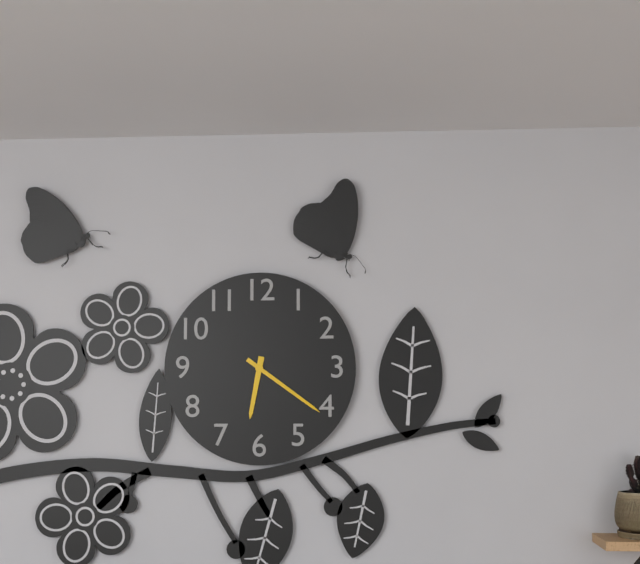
6,21
